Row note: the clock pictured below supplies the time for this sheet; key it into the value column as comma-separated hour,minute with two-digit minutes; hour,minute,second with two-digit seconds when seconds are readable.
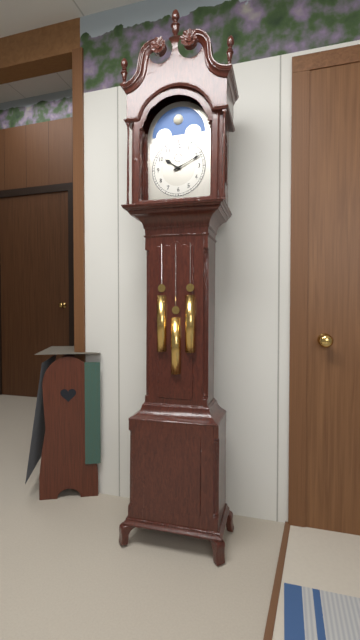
10,11
